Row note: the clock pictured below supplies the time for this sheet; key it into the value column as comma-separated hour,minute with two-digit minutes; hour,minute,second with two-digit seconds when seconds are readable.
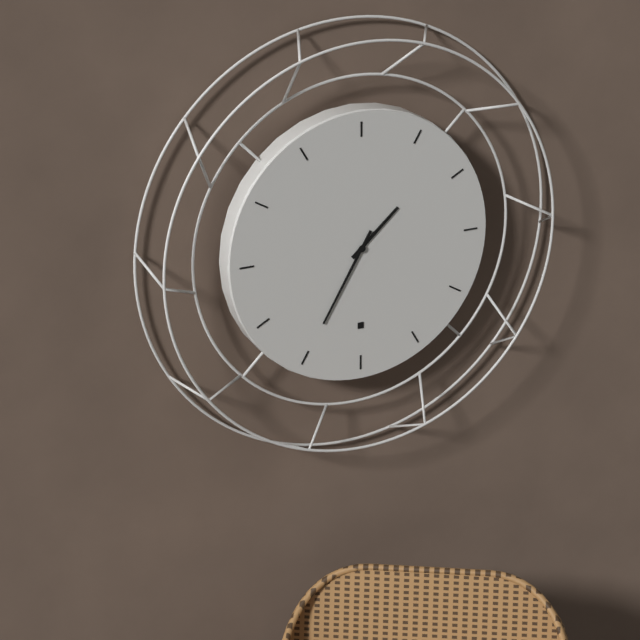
1,35
